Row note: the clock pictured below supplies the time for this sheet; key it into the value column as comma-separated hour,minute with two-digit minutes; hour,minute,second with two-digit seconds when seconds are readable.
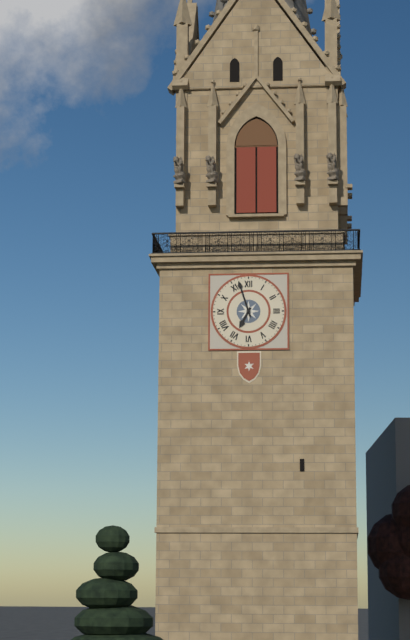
6,57
